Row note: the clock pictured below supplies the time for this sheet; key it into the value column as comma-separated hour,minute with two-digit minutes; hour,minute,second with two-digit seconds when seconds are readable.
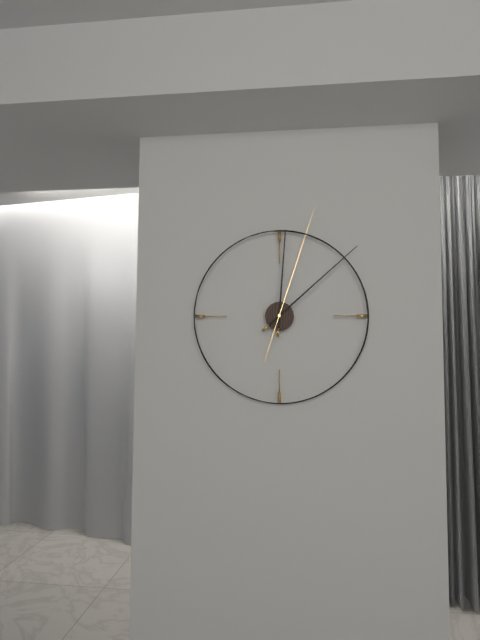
12,08,03
